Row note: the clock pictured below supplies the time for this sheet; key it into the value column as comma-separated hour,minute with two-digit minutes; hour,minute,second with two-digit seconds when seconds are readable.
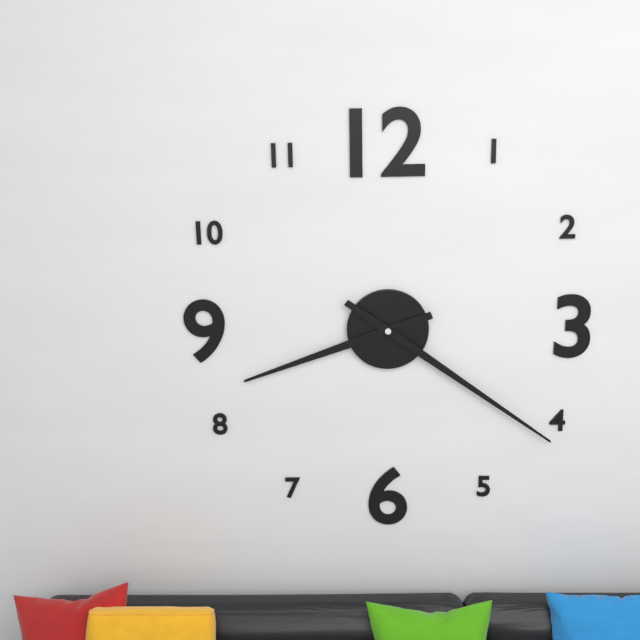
8,21
